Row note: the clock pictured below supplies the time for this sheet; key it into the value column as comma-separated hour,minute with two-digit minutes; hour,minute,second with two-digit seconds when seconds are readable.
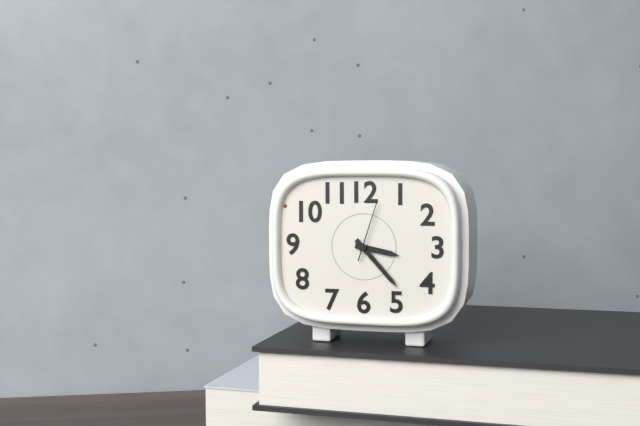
3,23,03
